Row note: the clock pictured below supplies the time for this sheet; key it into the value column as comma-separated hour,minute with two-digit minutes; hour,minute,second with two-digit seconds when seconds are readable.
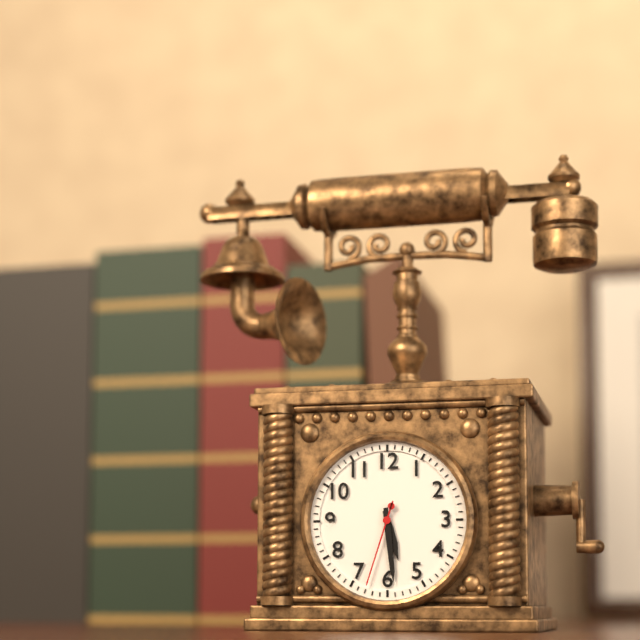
5,29,33
